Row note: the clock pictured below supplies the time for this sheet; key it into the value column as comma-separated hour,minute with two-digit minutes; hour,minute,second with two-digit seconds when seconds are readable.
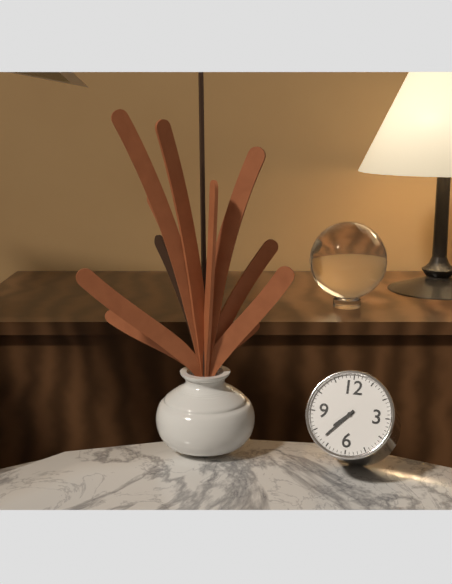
7,37
